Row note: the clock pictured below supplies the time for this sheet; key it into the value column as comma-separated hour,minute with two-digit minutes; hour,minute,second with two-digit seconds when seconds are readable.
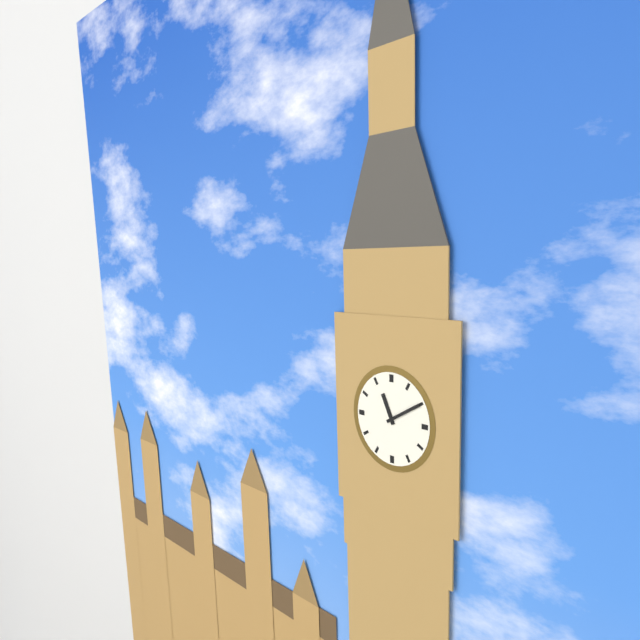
11,10
